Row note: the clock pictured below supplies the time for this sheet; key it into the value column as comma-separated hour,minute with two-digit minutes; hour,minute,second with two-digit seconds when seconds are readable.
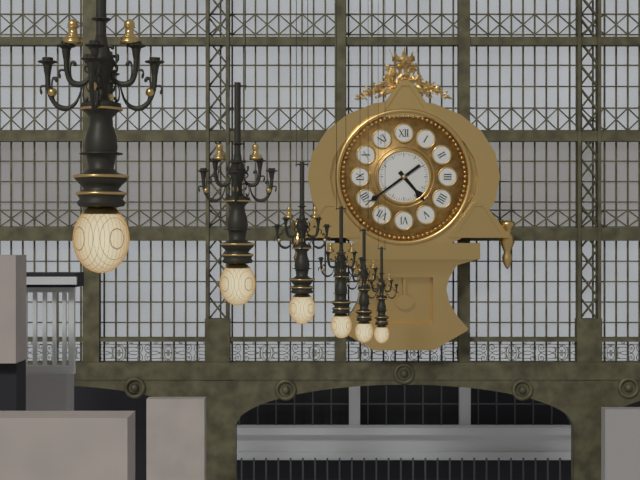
4,39
